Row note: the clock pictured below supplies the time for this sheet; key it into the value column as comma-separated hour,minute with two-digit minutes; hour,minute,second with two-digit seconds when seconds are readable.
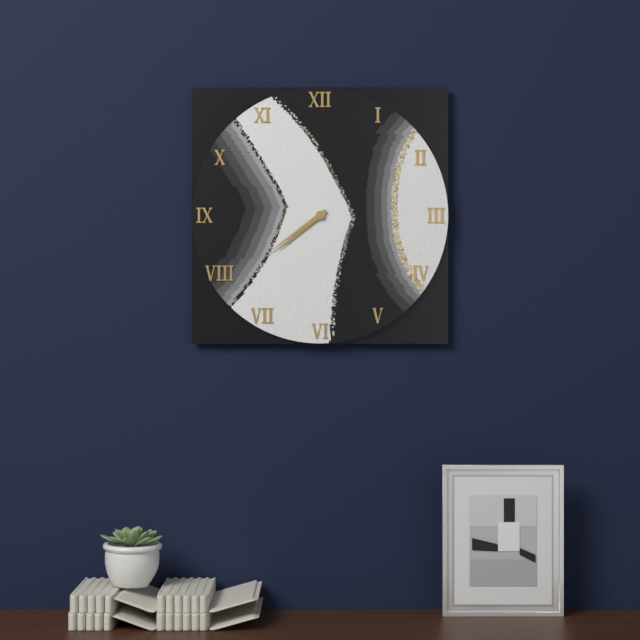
7,39
